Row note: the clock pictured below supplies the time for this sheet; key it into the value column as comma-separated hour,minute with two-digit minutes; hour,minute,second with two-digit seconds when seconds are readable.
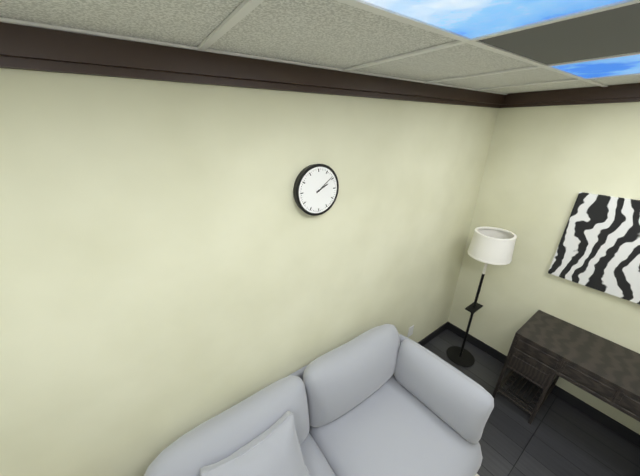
2,09
